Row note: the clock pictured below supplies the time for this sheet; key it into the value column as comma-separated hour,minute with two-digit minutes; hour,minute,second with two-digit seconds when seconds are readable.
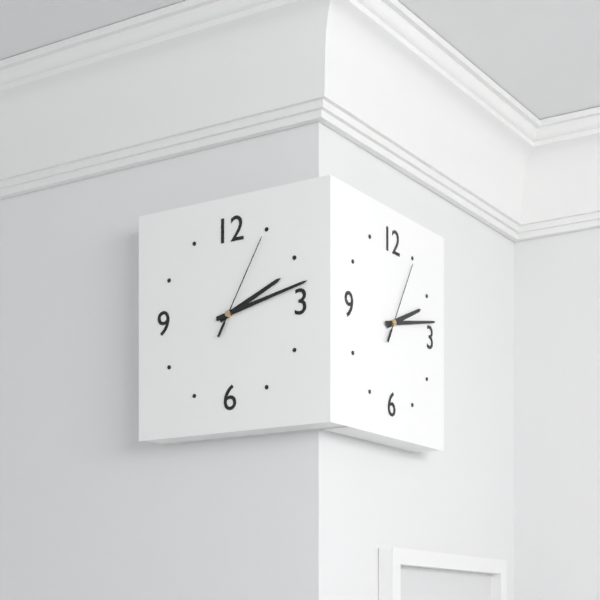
2,13,05
